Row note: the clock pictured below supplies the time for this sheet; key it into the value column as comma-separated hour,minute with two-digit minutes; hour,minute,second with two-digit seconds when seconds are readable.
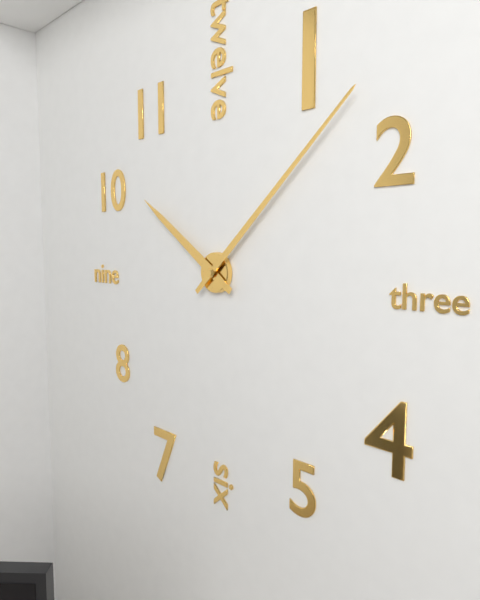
10,08
